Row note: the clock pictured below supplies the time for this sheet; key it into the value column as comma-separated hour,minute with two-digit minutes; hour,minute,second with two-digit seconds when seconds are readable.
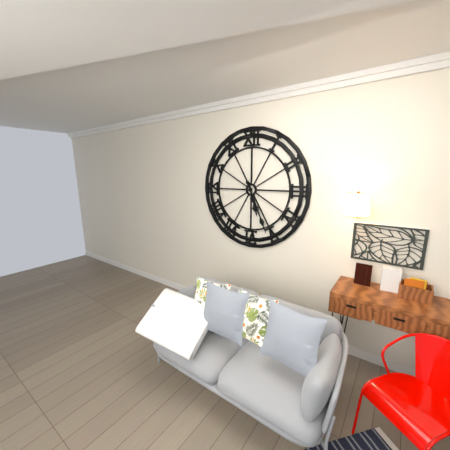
5,26
